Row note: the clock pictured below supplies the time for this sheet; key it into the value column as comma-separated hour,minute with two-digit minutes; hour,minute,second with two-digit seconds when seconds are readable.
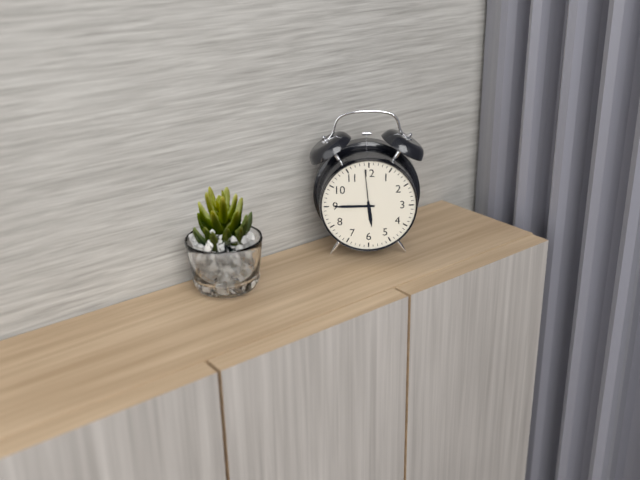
5,45
